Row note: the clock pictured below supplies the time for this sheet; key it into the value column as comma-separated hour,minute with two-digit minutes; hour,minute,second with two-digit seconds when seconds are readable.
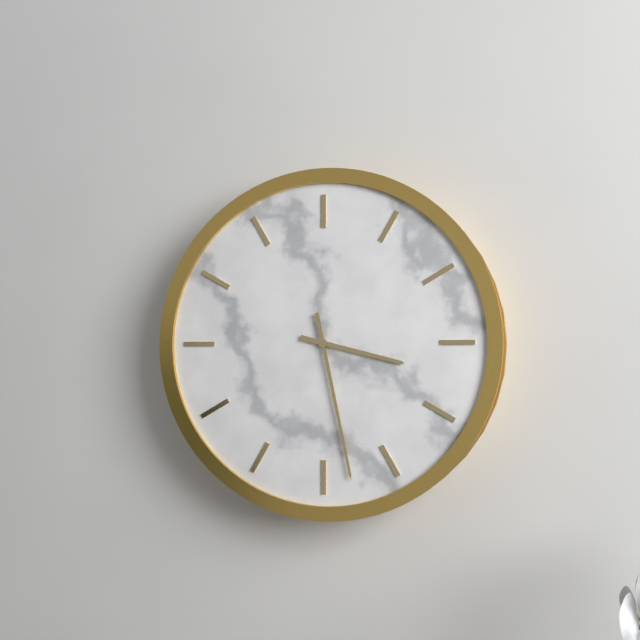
3,28
